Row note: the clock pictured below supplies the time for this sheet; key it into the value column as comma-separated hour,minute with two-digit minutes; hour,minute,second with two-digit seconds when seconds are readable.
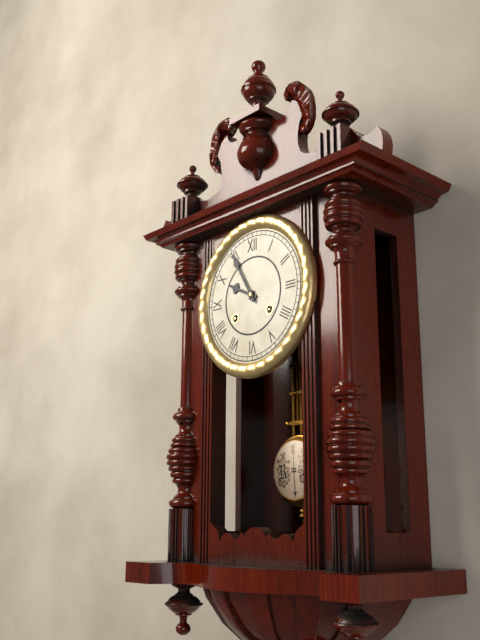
9,55
